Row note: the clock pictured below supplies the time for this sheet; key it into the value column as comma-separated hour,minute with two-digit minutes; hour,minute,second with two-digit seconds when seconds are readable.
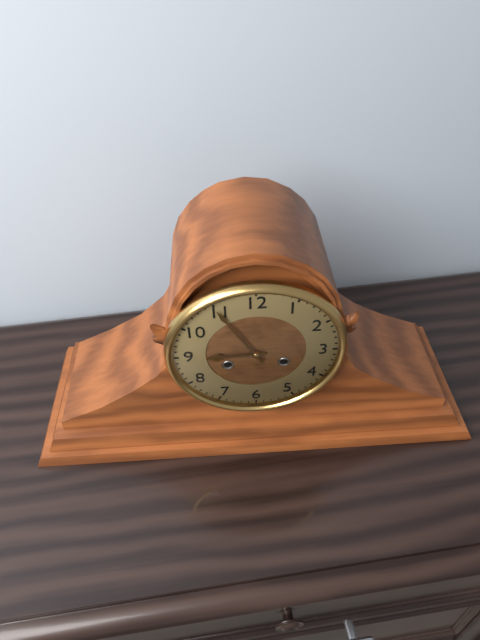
8,55
